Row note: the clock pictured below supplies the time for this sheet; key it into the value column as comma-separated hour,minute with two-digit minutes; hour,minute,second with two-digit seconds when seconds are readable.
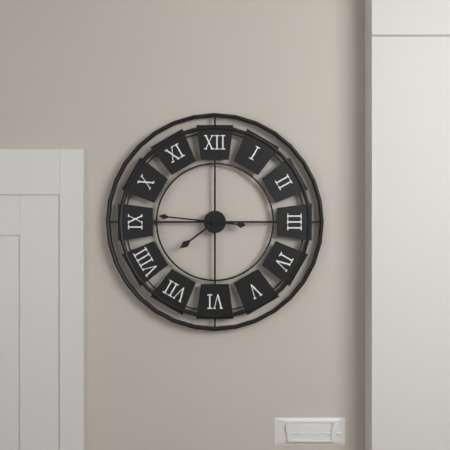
7,46
